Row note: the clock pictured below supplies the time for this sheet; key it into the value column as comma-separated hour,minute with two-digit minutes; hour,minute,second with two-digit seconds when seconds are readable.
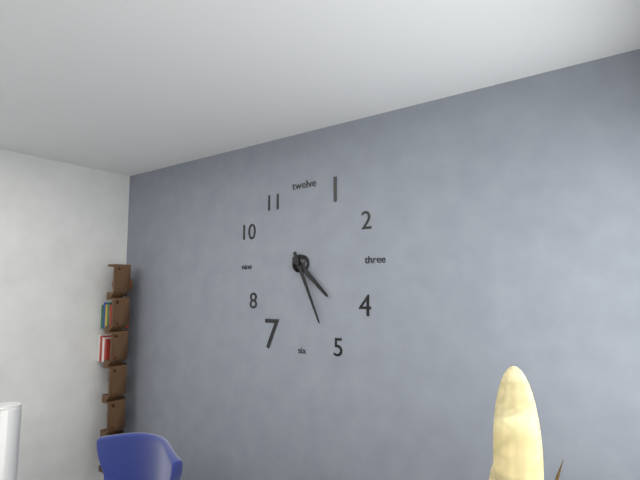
4,26
